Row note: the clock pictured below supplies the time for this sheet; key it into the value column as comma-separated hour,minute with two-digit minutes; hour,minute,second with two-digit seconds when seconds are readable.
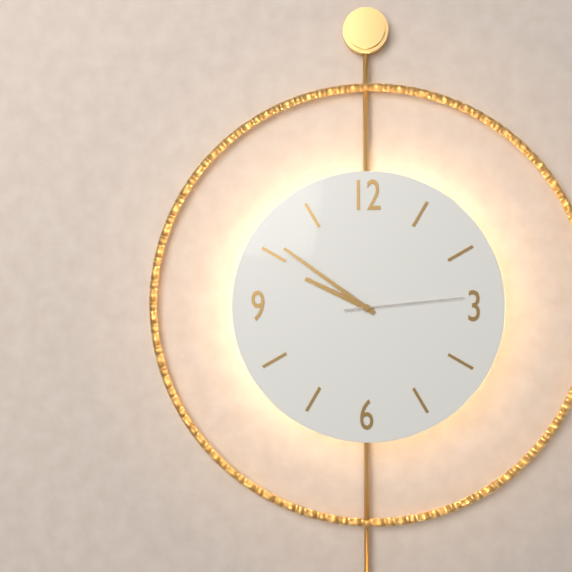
9,51,14
